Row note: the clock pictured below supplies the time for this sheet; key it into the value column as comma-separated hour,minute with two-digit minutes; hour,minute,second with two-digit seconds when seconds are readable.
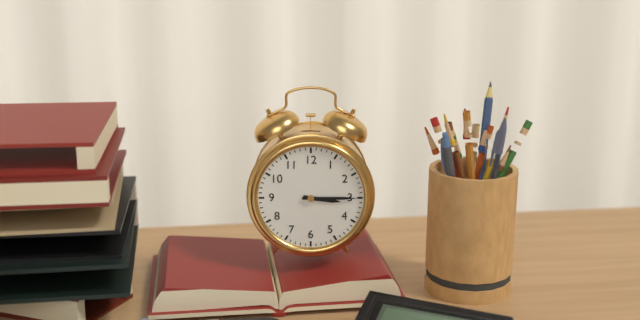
3,15
